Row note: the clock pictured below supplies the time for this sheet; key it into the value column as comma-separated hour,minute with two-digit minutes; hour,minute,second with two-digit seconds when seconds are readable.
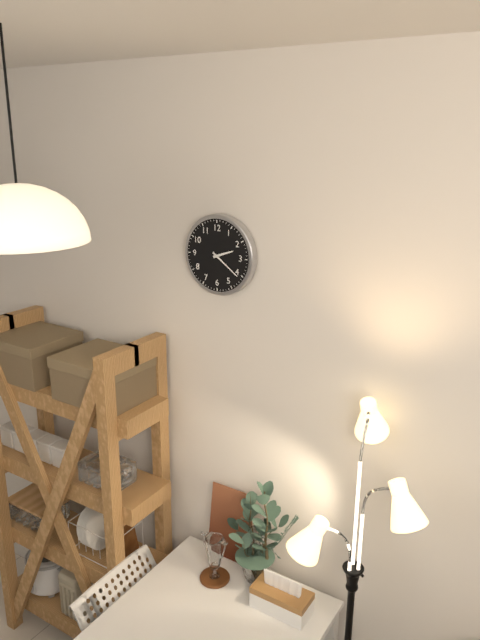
2,21
